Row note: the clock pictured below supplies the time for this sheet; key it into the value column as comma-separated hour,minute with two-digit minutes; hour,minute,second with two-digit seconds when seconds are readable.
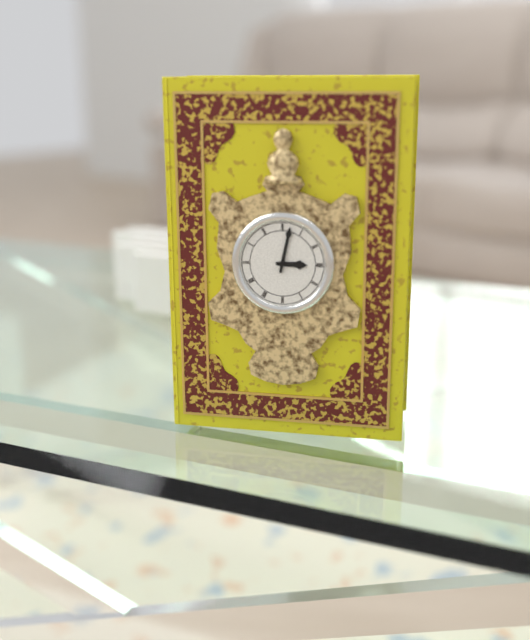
3,02
